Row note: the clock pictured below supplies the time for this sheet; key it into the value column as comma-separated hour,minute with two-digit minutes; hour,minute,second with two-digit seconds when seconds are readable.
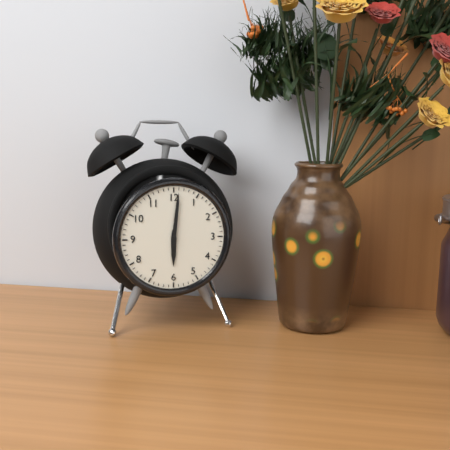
6,01
